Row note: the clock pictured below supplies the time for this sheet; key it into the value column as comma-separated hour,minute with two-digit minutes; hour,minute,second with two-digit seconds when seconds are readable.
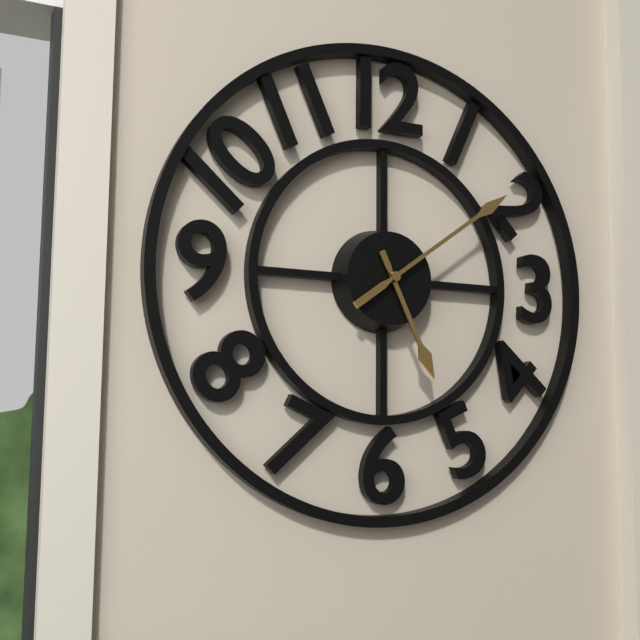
5,09
